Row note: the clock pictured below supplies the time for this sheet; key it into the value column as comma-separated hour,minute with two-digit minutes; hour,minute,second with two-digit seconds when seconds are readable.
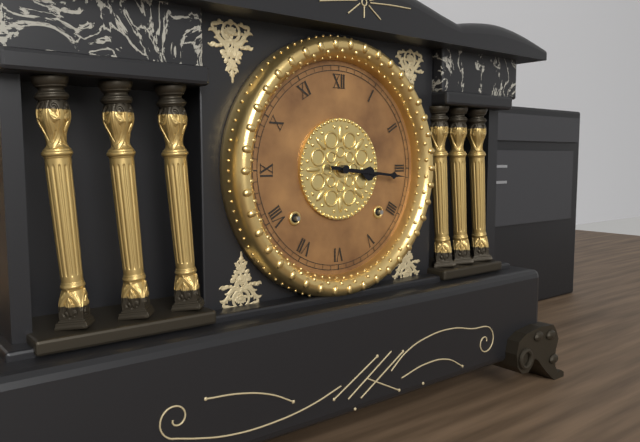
3,16
